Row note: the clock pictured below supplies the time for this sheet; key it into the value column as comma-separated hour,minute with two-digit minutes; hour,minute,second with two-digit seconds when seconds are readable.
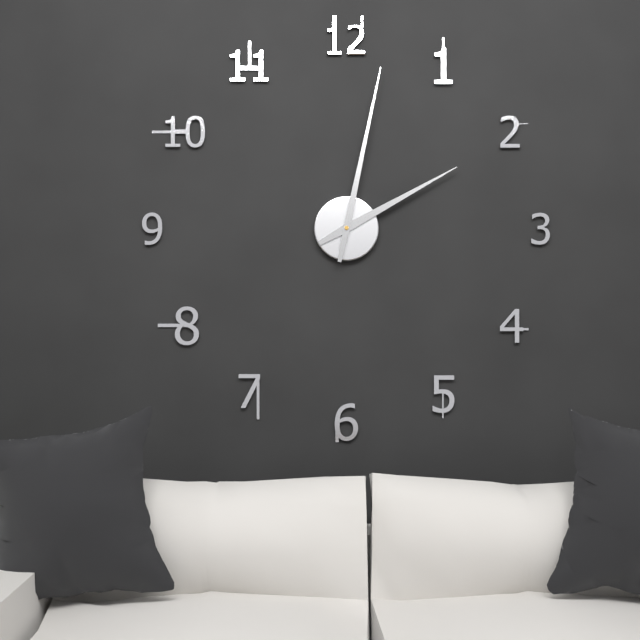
2,02
